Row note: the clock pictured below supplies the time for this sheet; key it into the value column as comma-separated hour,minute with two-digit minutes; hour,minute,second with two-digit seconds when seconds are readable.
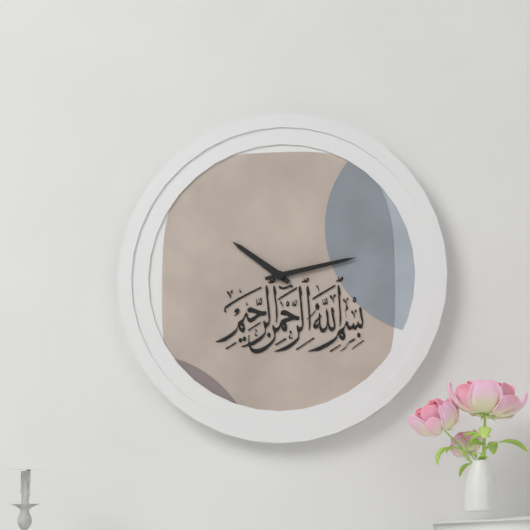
10,13
